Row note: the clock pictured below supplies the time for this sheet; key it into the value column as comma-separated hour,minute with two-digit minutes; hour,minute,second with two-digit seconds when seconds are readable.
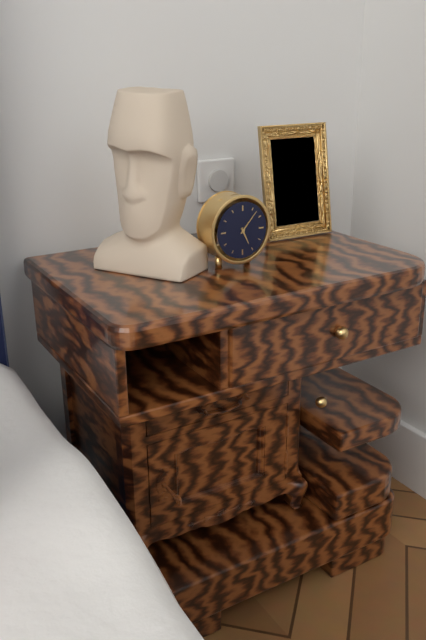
5,07
